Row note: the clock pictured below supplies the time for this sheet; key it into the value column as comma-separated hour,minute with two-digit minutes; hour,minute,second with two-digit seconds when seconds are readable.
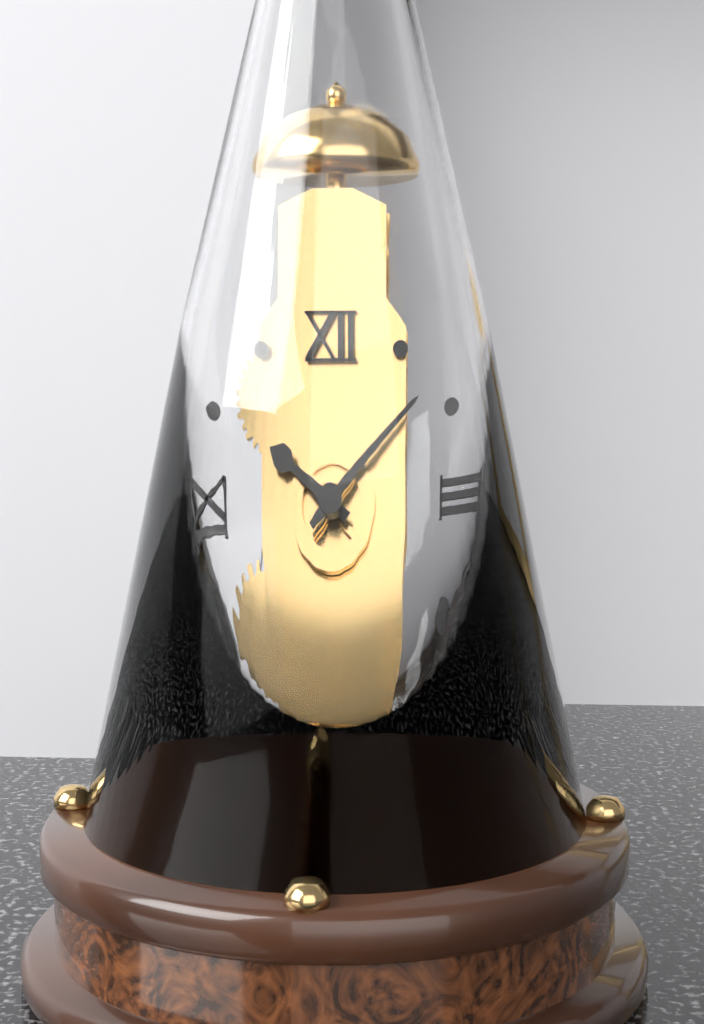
10,08
